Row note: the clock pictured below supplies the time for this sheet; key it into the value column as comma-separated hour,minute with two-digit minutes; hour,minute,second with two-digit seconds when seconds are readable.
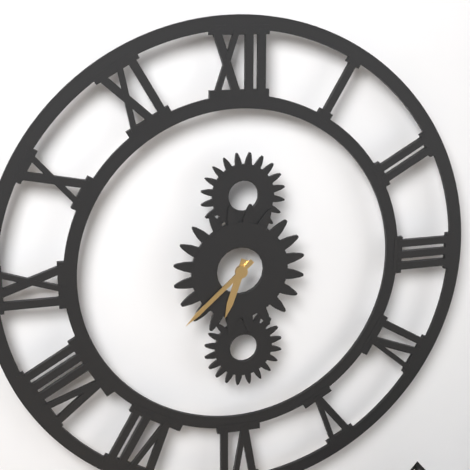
6,38
